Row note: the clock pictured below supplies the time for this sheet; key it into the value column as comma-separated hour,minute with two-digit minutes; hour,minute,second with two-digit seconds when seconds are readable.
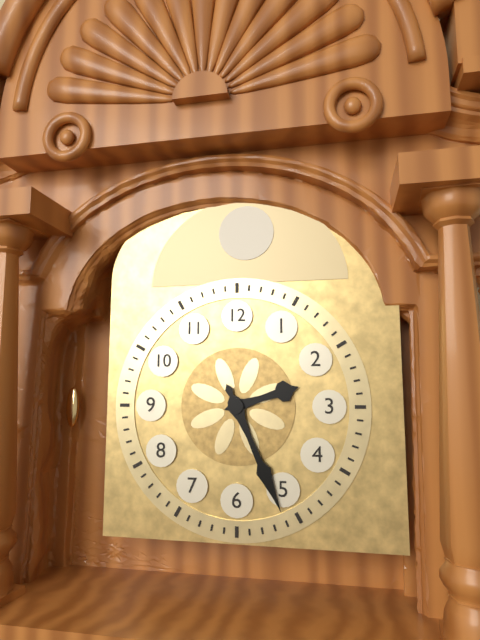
2,26
